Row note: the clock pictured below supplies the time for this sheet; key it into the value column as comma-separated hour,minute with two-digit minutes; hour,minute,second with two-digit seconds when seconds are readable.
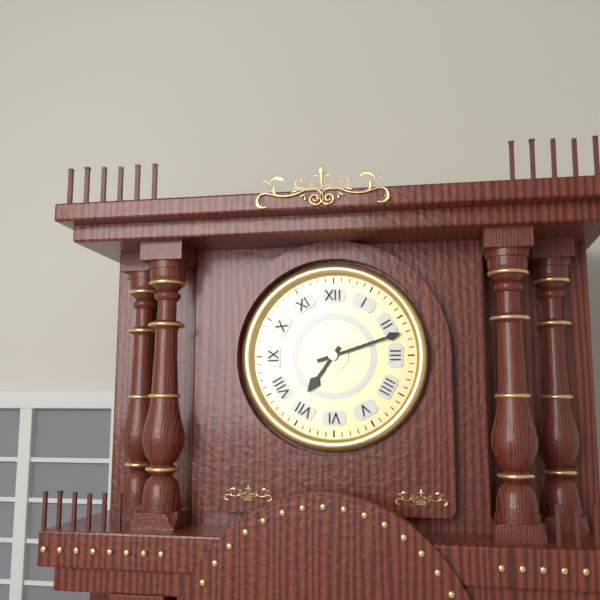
7,12
